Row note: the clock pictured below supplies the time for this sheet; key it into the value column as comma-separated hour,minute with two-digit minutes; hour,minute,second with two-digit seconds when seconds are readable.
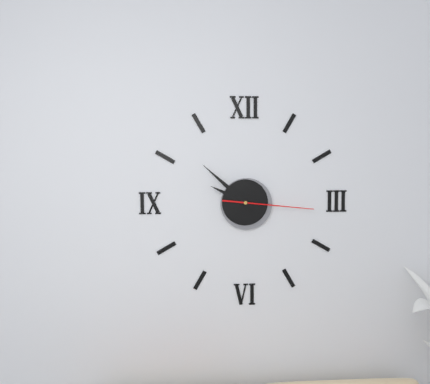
9,52,16
